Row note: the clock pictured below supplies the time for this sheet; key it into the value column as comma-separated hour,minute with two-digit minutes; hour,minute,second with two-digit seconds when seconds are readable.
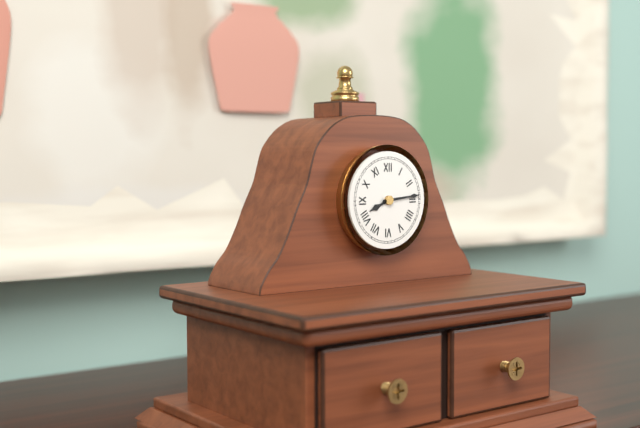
8,14
